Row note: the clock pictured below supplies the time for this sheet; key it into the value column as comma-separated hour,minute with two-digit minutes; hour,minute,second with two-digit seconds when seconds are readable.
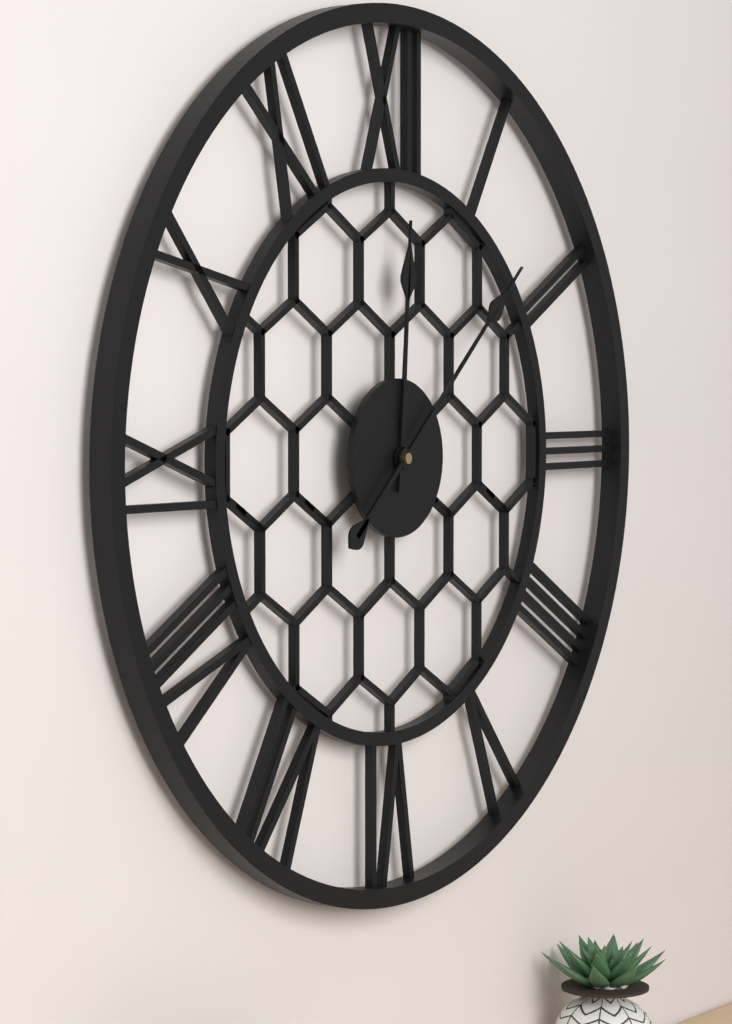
12,08
